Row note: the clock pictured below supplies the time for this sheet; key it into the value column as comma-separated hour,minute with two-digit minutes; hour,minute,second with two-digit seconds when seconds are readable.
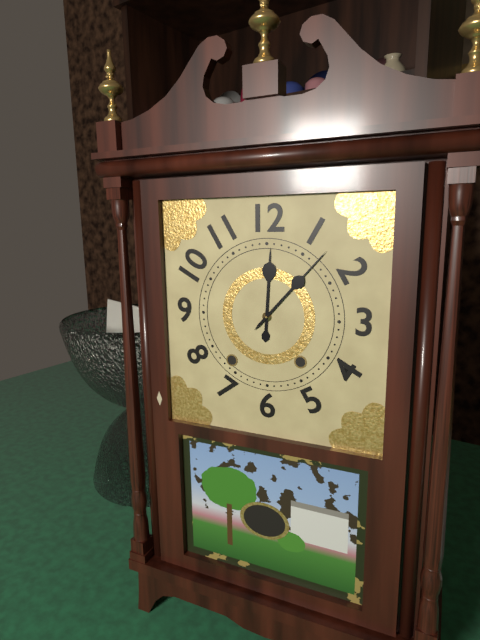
12,07
